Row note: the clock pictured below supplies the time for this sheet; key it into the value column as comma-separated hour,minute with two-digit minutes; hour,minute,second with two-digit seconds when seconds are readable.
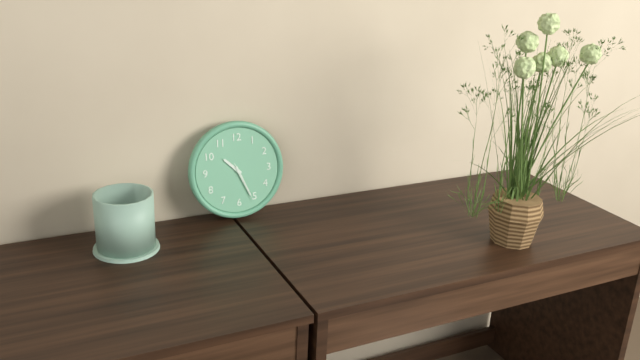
10,26
